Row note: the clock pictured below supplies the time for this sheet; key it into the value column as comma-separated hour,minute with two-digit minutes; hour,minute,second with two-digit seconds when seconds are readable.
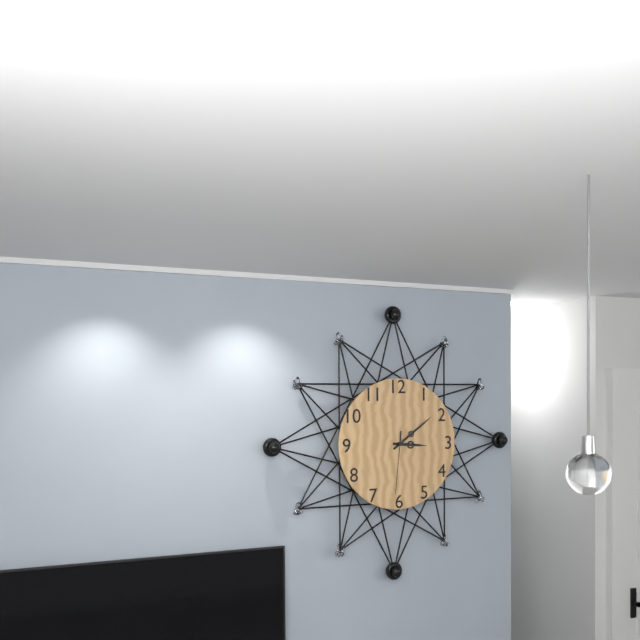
3,09,31
